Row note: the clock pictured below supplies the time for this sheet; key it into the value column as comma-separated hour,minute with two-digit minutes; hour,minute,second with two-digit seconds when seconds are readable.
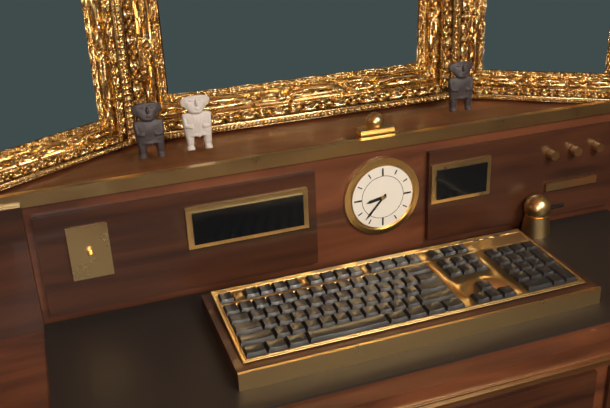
8,37
